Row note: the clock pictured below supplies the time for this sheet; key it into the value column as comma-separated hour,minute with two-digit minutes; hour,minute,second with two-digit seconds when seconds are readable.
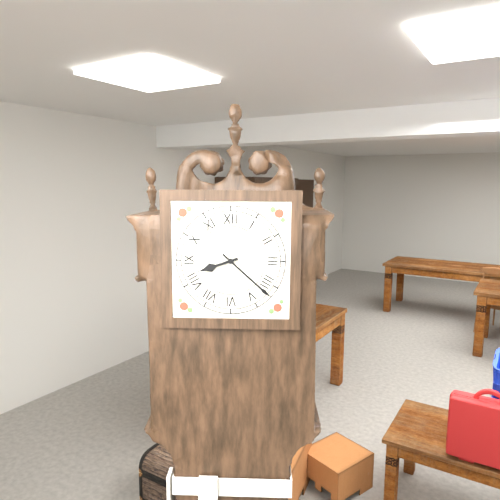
8,22
